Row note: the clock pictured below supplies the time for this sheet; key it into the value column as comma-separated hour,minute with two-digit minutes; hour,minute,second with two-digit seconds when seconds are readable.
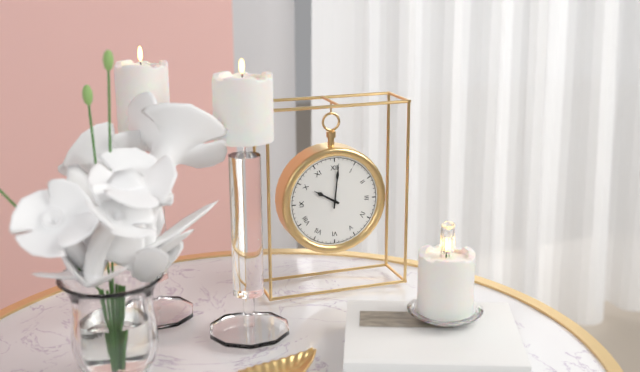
10,01
